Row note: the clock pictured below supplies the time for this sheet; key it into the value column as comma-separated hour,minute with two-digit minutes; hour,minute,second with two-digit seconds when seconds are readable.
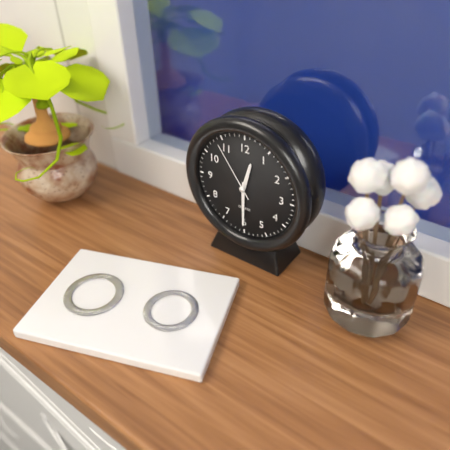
12,30,54
